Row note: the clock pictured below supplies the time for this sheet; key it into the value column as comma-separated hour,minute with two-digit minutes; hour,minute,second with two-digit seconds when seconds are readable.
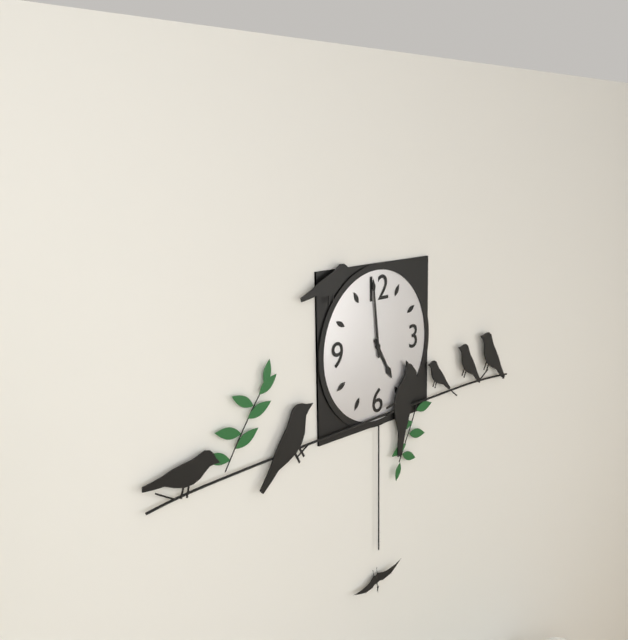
4,59
